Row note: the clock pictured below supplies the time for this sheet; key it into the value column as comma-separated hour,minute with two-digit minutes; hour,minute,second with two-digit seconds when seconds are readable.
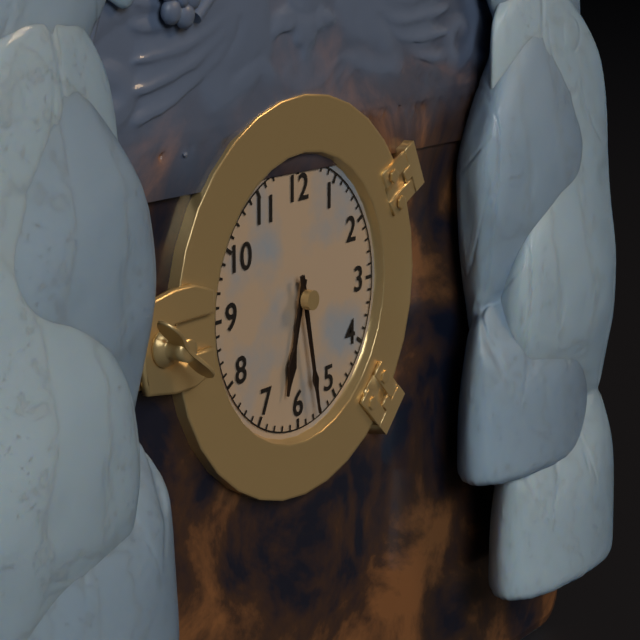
6,28
